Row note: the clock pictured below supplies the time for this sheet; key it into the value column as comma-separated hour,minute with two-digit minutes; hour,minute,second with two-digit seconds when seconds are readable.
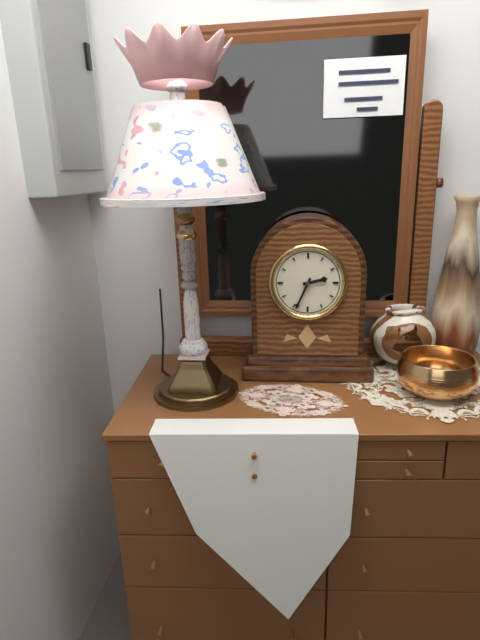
2,34
